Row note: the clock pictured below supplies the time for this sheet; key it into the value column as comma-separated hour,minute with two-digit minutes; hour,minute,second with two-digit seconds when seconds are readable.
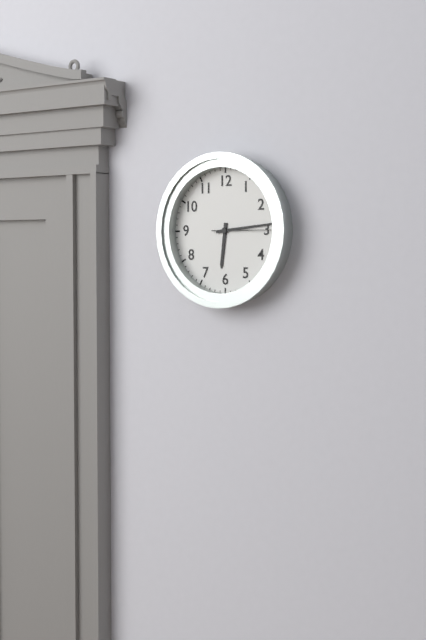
6,14,15
